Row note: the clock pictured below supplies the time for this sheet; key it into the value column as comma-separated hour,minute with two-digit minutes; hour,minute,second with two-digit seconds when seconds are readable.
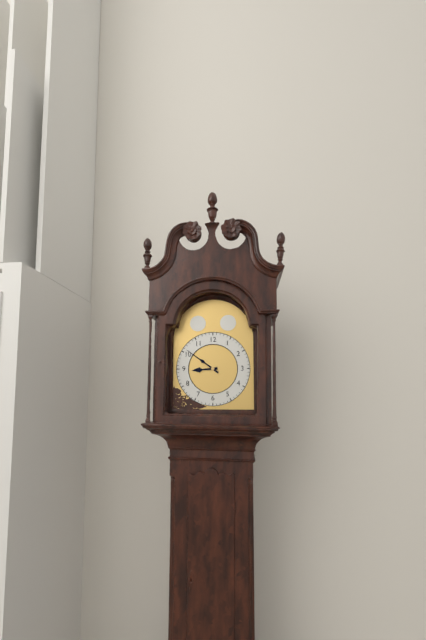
8,51
